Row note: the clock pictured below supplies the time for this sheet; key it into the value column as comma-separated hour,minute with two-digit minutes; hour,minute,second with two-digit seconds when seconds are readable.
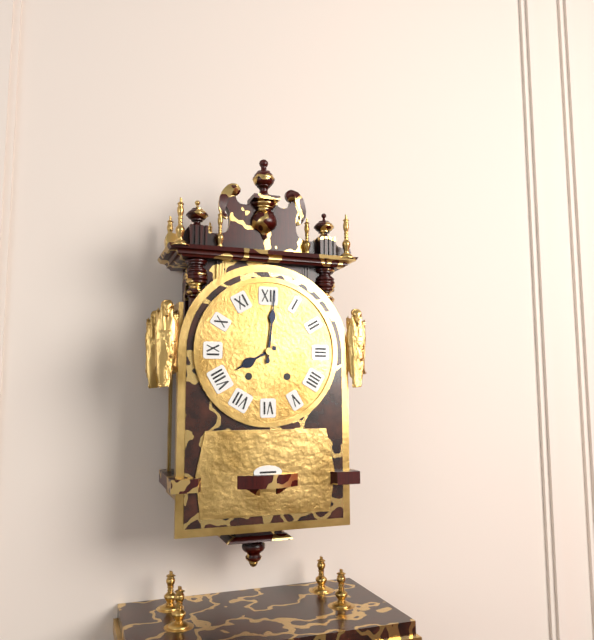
8,01
